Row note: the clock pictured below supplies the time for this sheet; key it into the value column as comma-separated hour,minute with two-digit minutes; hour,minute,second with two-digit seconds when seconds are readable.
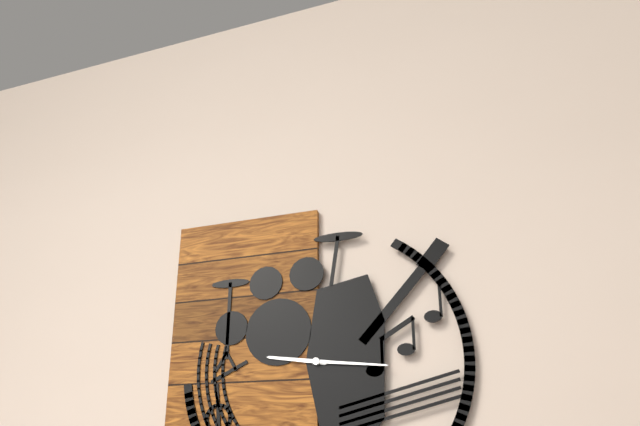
9,16
